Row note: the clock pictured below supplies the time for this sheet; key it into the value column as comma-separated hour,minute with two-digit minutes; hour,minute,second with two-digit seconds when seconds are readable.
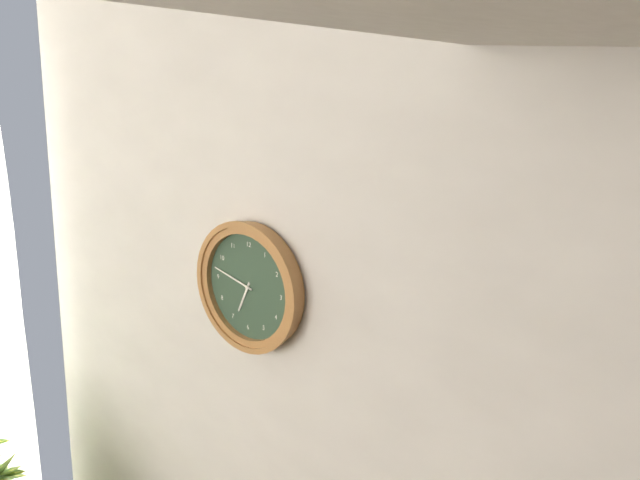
6,47
